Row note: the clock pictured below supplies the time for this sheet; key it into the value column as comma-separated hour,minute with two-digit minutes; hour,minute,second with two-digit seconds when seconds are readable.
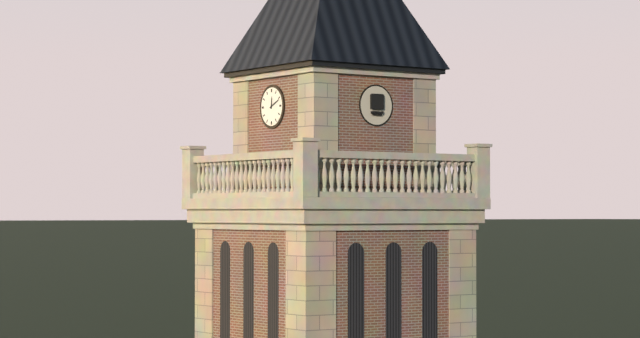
12,11
